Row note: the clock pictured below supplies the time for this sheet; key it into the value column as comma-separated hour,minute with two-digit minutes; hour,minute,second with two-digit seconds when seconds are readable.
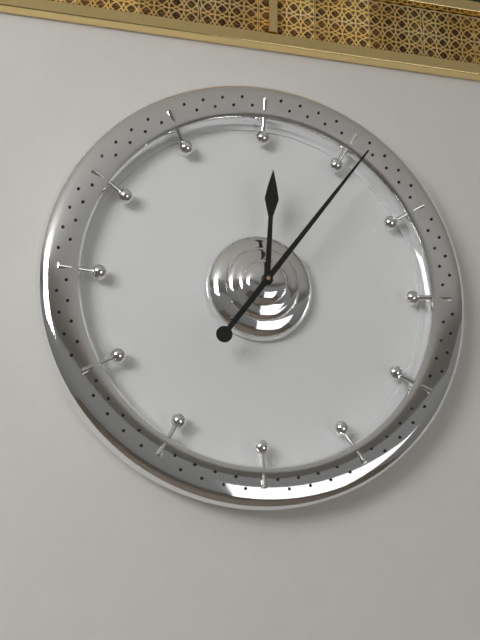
12,06
